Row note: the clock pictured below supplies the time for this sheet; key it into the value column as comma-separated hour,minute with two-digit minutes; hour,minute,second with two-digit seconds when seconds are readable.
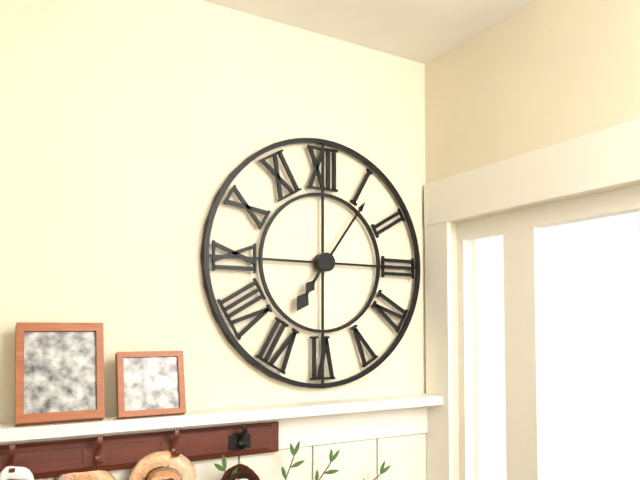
7,06
